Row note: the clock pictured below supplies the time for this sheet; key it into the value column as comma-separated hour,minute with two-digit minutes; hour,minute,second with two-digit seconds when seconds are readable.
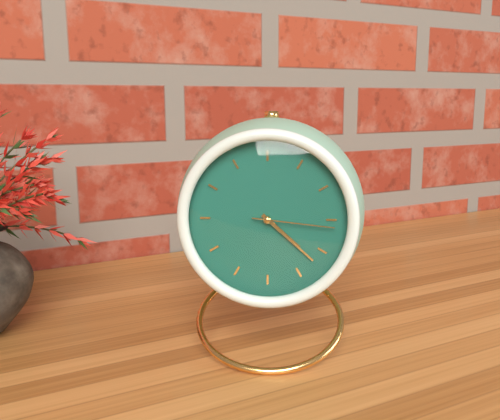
4,22,16
